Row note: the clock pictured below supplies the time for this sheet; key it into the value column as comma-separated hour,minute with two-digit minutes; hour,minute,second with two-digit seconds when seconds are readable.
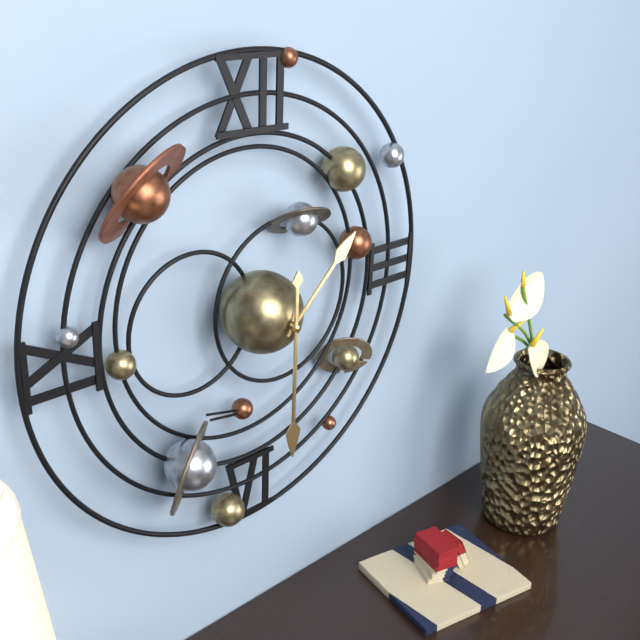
1,30
